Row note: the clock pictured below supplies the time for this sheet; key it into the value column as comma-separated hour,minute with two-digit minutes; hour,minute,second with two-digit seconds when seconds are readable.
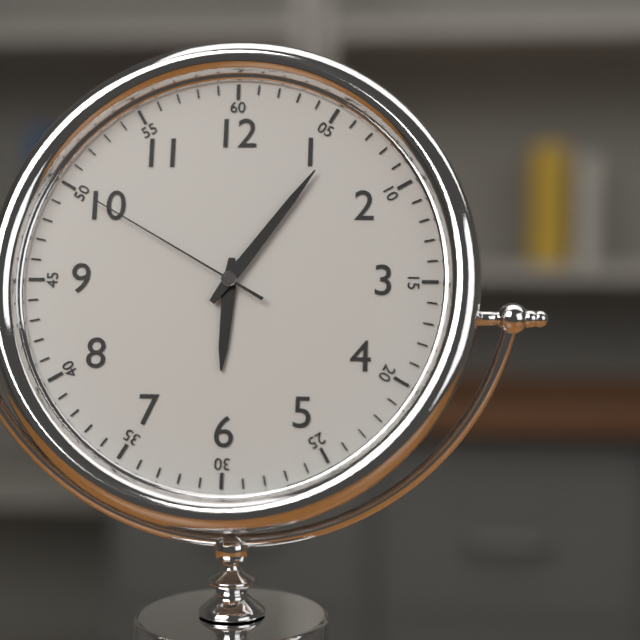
6,06,50
